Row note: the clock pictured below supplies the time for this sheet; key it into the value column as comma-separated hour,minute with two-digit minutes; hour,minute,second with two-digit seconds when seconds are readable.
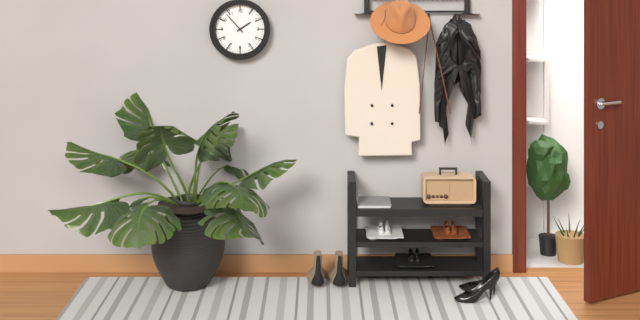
1,53
